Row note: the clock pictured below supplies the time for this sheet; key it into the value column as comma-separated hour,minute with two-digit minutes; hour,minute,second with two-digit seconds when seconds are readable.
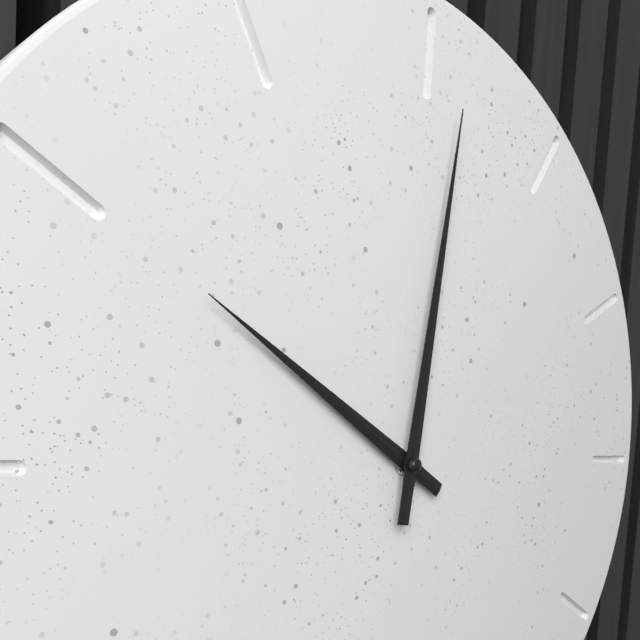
10,01
